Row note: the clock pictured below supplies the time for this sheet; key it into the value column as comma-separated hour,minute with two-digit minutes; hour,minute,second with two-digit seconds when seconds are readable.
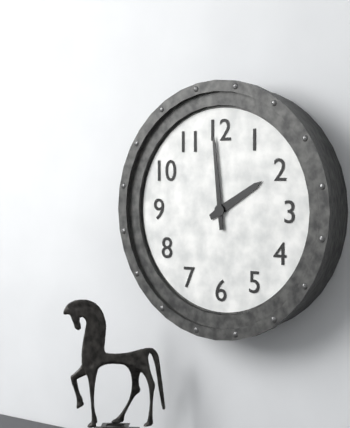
1,59
